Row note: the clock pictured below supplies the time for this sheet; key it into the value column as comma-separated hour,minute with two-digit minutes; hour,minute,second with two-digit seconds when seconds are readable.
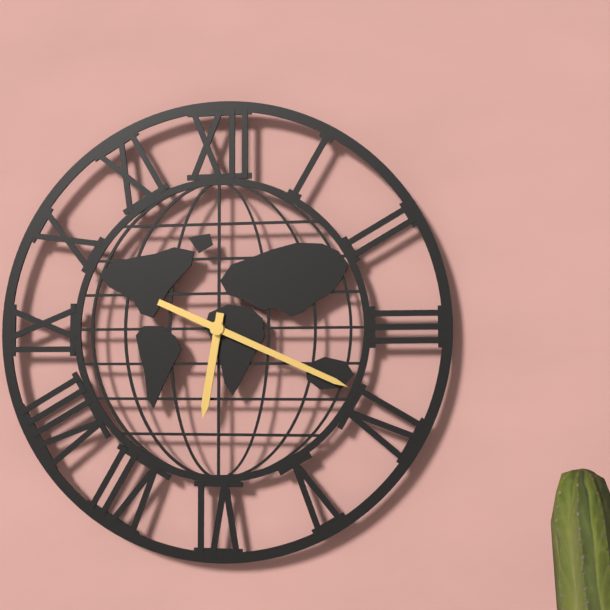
6,19
